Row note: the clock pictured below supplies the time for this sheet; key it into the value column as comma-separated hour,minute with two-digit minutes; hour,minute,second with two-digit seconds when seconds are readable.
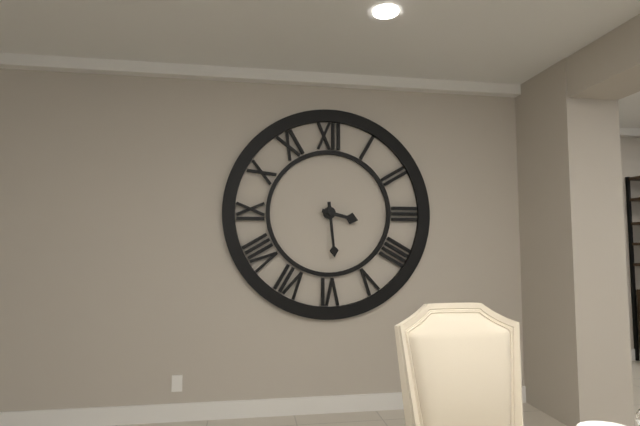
3,29
